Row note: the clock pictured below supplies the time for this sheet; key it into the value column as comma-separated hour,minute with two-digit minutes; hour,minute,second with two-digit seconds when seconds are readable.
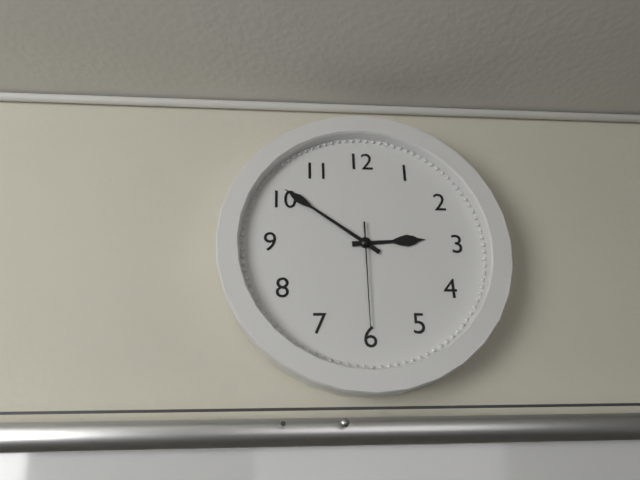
2,51,30
